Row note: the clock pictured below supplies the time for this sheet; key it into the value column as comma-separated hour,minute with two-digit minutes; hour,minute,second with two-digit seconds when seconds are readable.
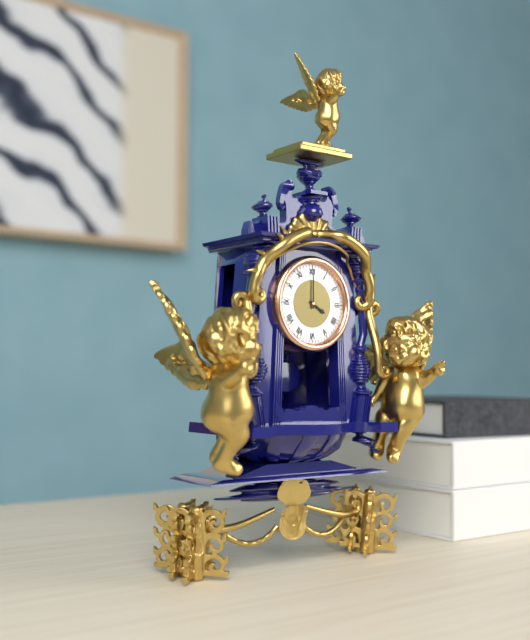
4,00
